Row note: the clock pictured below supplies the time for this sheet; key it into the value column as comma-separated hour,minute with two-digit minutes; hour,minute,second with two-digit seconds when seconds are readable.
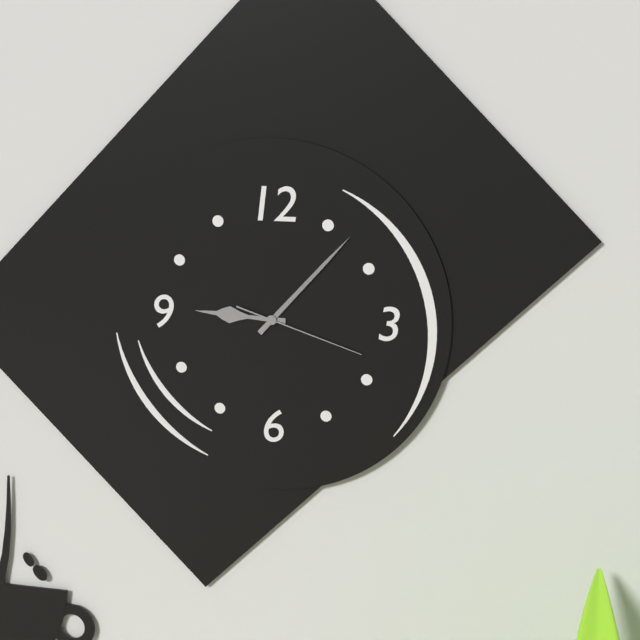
9,07,18
